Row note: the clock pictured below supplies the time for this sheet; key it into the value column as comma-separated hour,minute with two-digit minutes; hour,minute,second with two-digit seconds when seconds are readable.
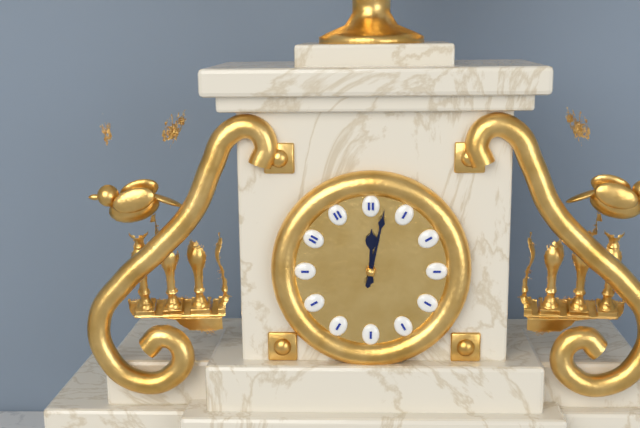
12,02
